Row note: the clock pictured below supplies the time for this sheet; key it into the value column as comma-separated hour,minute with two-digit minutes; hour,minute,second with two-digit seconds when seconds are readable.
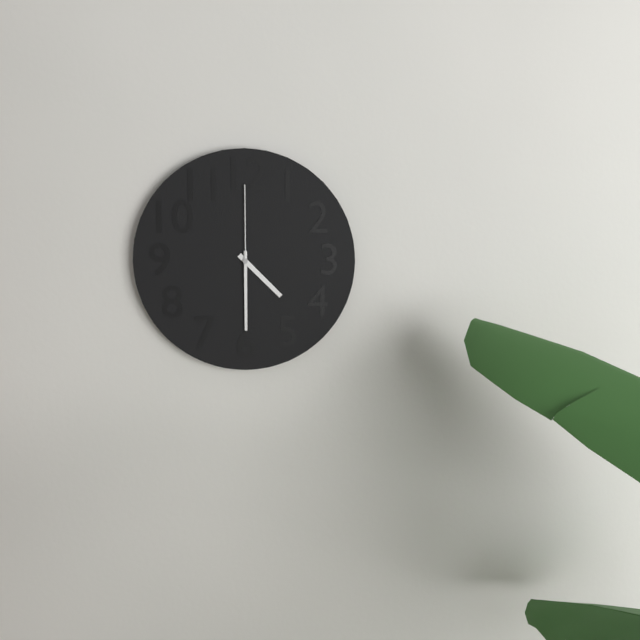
4,30,00
